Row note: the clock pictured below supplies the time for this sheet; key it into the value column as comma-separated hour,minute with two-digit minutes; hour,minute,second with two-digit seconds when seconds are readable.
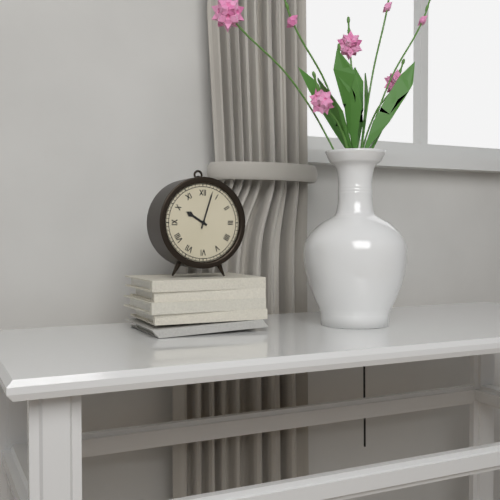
10,03
